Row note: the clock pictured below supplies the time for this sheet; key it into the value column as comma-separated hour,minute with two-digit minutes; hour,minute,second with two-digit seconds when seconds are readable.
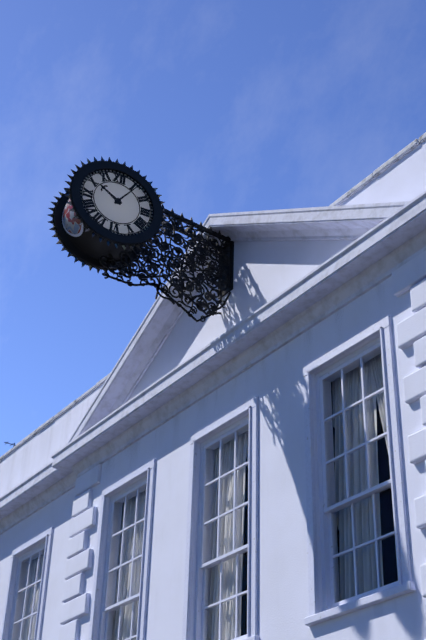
10,06
